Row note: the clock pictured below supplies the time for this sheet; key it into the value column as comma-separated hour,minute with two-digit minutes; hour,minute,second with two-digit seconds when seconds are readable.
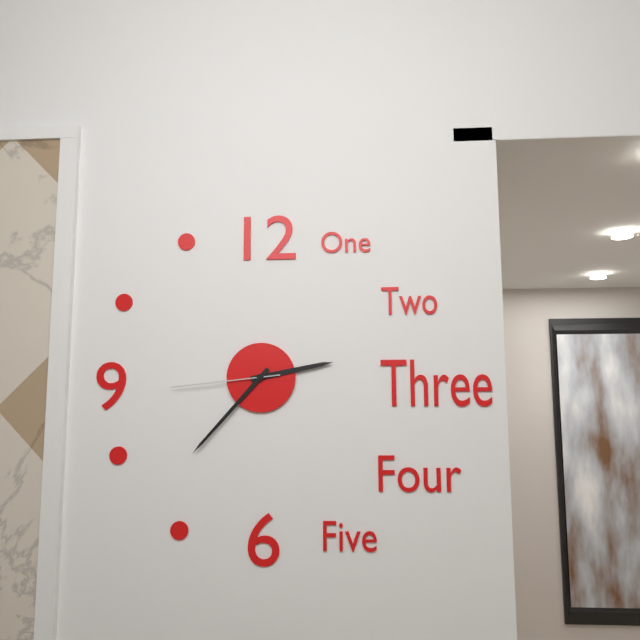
2,37,44
